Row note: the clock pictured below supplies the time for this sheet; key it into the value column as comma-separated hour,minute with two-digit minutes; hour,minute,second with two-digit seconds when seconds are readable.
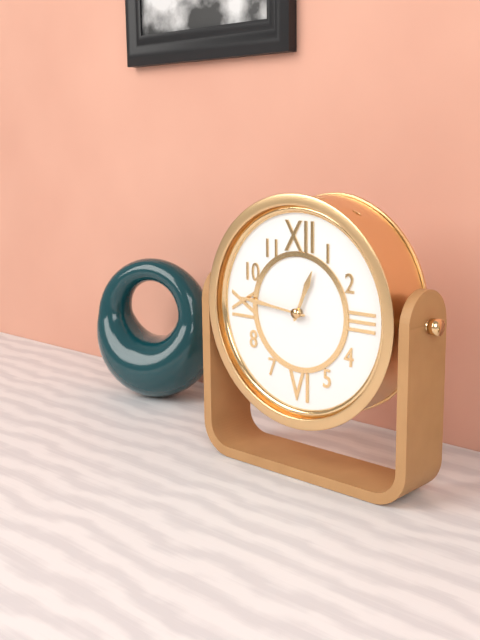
12,46
